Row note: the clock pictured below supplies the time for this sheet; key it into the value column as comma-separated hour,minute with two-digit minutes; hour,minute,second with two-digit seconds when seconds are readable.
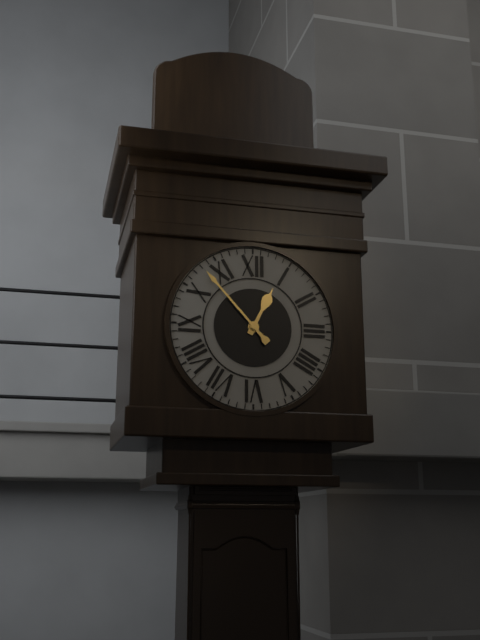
12,53
